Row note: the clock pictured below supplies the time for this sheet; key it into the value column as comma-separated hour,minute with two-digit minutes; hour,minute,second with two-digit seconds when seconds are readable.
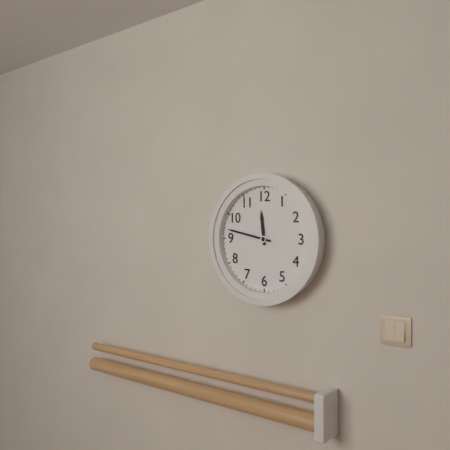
11,47
